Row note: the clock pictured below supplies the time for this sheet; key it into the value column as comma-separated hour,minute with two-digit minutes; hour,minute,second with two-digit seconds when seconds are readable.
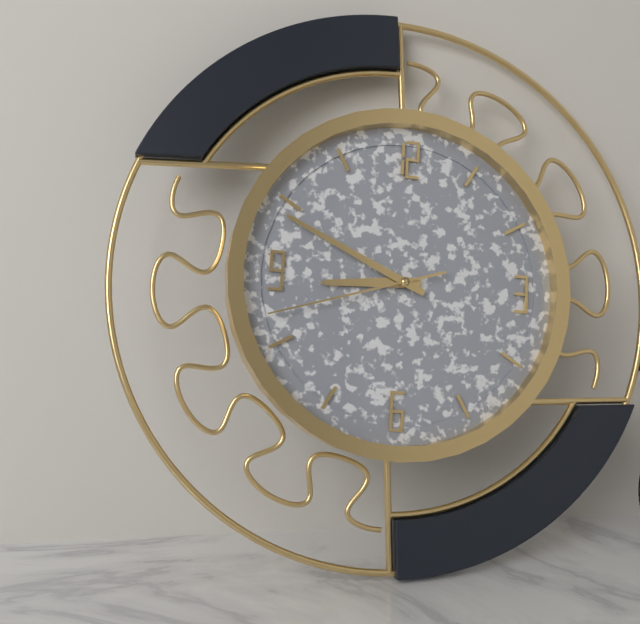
8,49,42
